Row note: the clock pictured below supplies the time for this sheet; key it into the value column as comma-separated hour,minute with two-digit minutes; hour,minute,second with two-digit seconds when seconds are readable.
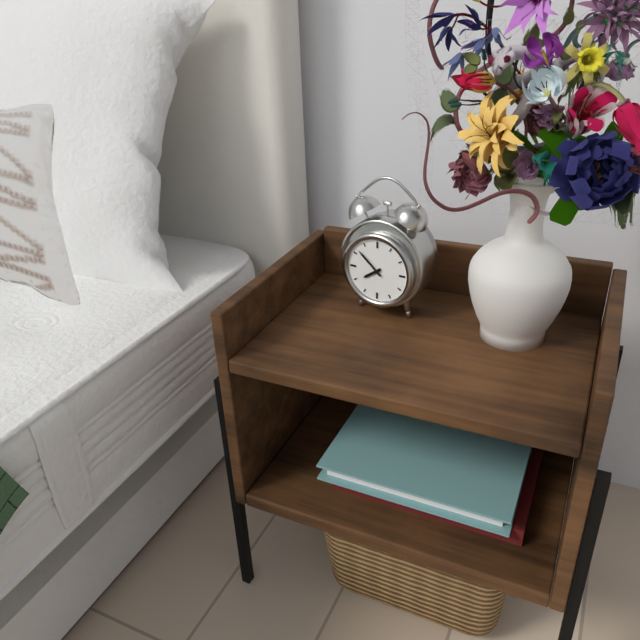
7,52
